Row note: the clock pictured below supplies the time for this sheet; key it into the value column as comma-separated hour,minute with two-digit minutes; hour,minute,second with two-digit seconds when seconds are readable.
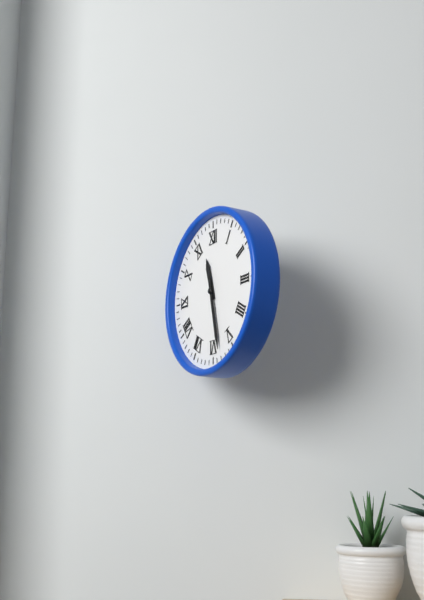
11,28
